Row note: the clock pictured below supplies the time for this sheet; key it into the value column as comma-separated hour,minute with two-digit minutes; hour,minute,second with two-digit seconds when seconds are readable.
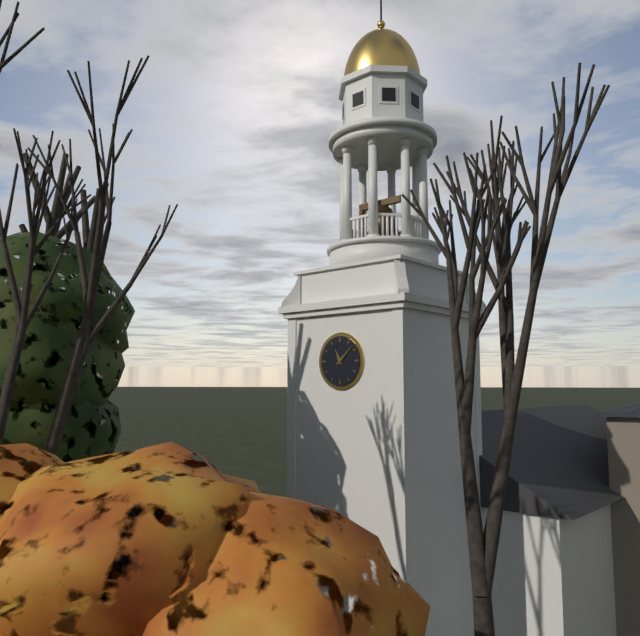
11,08
